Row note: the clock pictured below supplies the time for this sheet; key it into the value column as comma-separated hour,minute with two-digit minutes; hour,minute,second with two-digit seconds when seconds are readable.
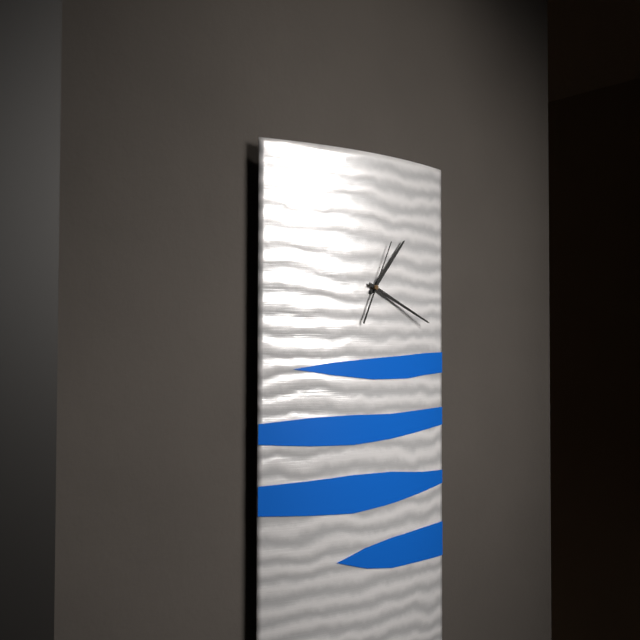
1,19,04
